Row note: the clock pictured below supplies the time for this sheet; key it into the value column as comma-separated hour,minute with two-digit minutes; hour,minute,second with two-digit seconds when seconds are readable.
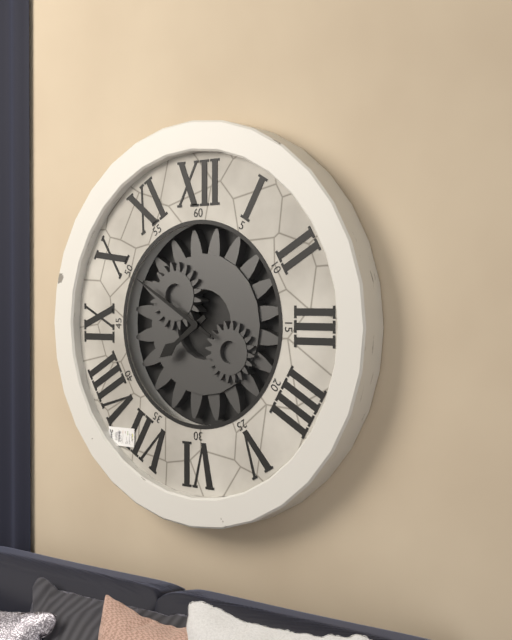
7,50
